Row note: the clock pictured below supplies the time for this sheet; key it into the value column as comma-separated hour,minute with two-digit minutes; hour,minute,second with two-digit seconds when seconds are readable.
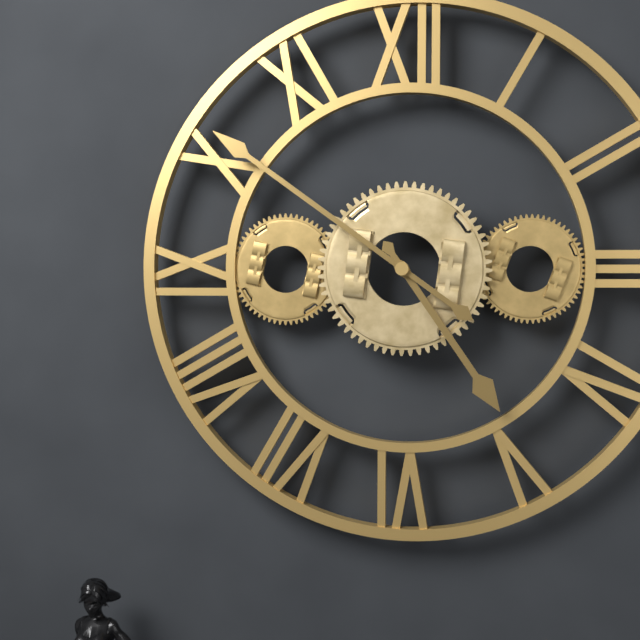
4,51
